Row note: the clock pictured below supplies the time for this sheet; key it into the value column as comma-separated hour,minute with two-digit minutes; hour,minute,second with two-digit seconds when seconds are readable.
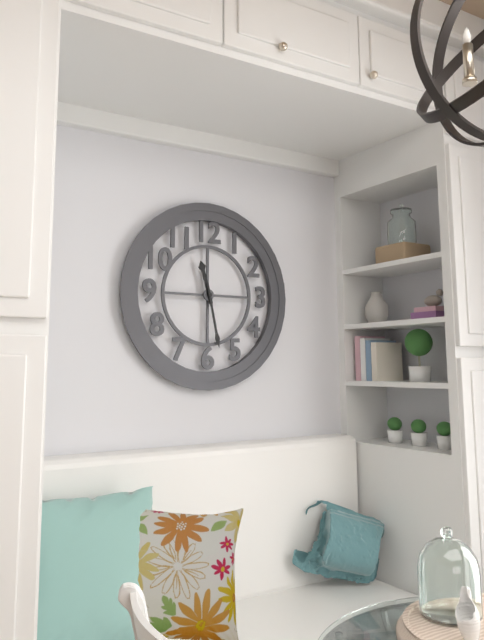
11,28
